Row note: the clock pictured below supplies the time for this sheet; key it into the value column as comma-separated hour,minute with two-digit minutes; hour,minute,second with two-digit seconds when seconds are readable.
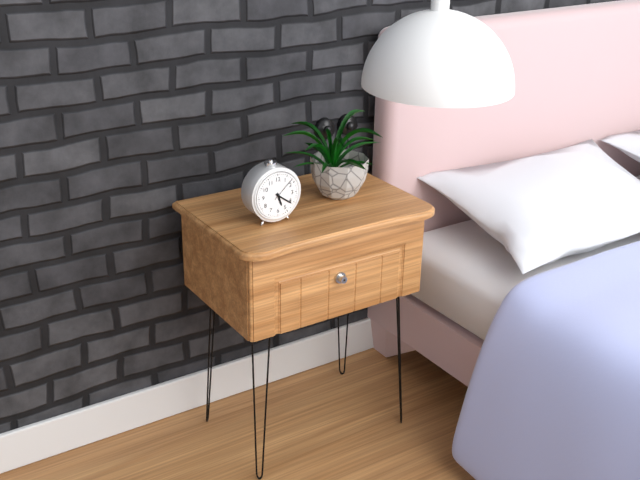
5,21
